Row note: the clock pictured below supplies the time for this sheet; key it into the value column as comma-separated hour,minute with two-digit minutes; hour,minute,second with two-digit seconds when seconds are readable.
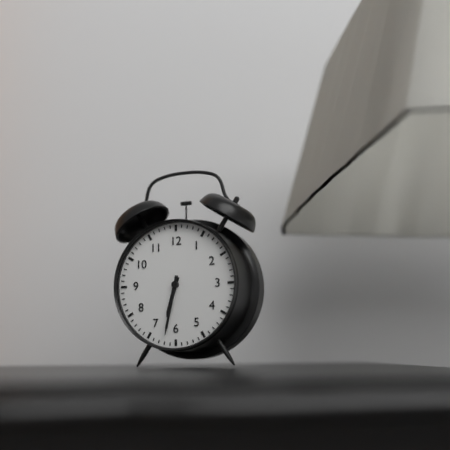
6,32
